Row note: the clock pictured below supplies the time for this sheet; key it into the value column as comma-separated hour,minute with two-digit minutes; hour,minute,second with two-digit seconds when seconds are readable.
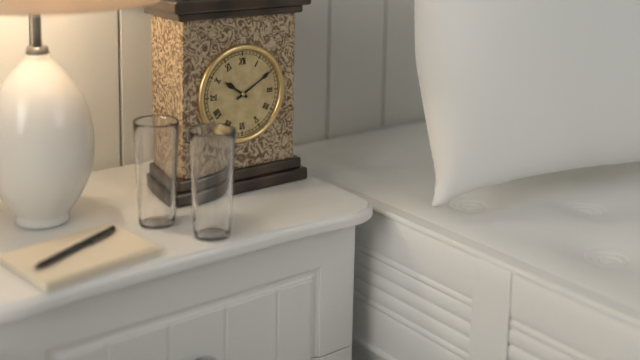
10,10
